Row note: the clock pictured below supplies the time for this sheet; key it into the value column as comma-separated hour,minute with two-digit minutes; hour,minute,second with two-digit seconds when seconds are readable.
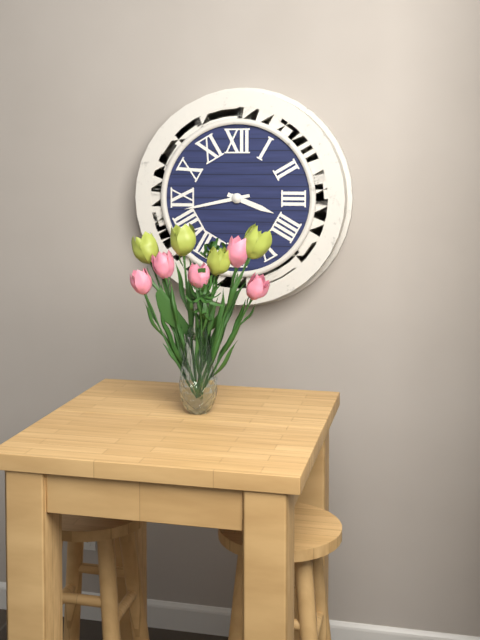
3,43
